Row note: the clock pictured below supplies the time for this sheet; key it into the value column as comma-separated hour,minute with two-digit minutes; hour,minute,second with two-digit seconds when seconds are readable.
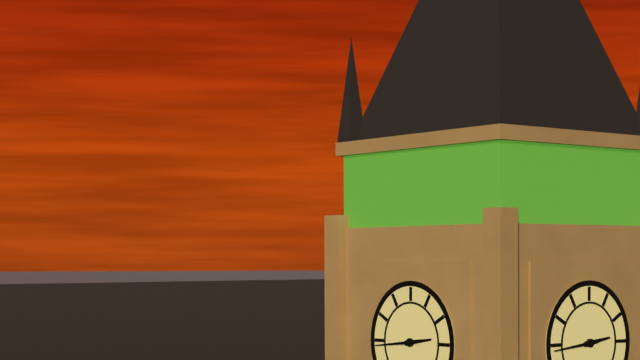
2,44
